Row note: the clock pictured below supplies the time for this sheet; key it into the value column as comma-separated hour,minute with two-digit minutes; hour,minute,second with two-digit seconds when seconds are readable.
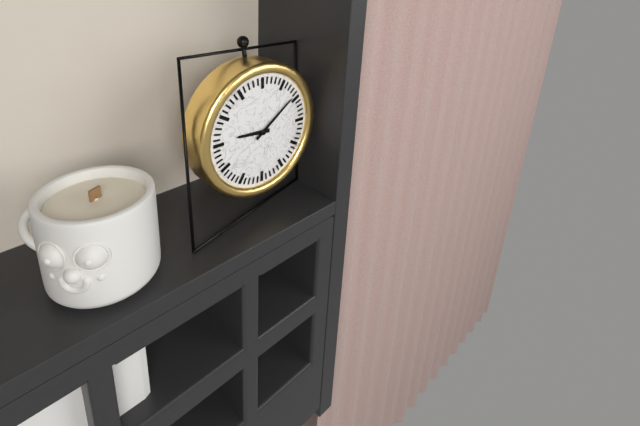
9,09
